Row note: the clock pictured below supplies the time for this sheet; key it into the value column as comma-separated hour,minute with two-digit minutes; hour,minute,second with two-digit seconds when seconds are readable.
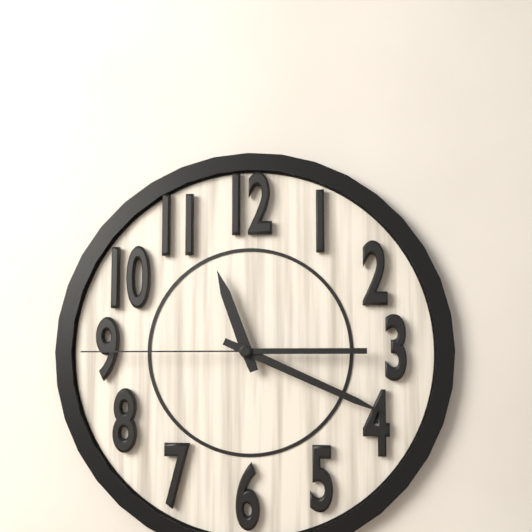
11,19,45
